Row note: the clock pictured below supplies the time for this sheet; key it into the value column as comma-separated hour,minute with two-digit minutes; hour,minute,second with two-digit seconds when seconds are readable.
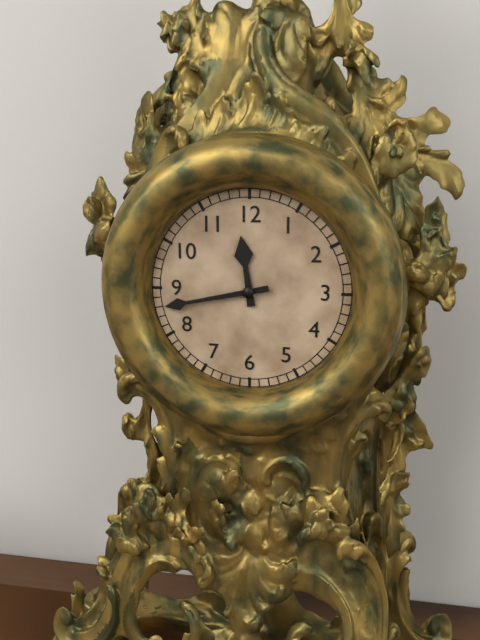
11,43
